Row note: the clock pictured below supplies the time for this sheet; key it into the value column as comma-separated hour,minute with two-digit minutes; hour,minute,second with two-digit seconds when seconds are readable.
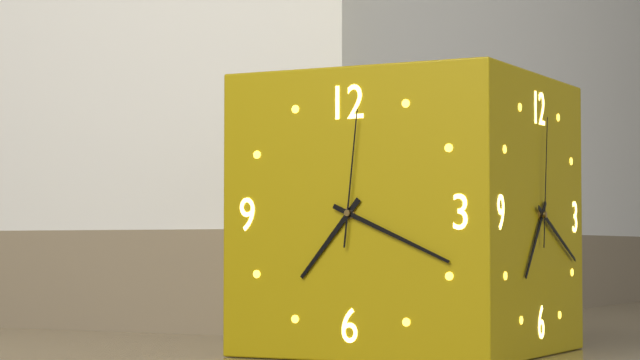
7,19,01
